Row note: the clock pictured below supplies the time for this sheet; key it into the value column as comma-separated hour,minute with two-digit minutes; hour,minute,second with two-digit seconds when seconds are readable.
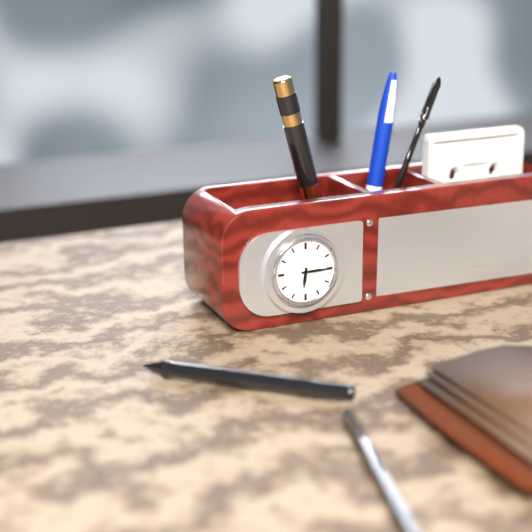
6,15
